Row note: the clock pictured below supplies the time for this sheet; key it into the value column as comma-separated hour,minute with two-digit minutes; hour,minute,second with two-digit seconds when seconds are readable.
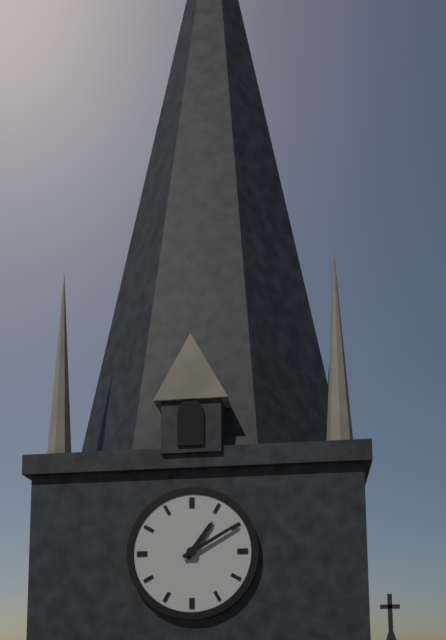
1,10
